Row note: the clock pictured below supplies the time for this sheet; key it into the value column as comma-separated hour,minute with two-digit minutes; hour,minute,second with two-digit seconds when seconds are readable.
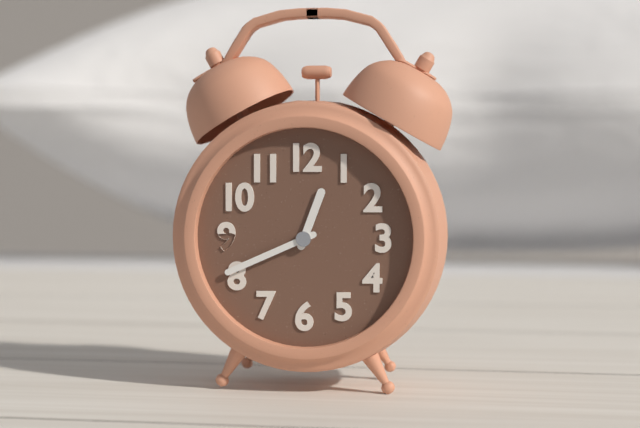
12,41
